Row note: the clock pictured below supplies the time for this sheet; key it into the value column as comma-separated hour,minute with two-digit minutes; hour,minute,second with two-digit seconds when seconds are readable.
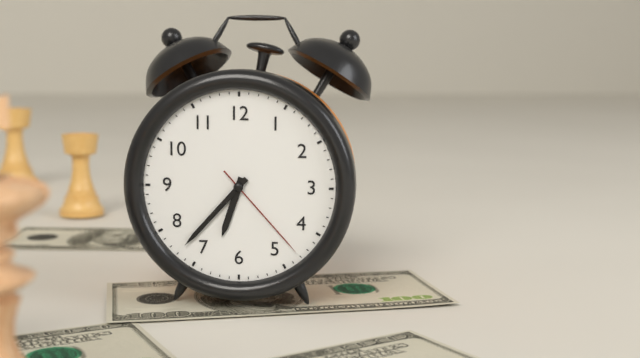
6,37,23
